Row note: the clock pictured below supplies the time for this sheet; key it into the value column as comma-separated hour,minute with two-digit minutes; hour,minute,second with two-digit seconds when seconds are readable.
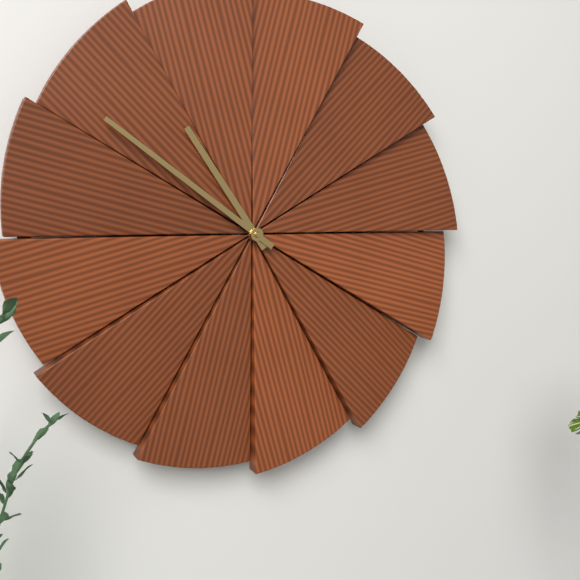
10,51
